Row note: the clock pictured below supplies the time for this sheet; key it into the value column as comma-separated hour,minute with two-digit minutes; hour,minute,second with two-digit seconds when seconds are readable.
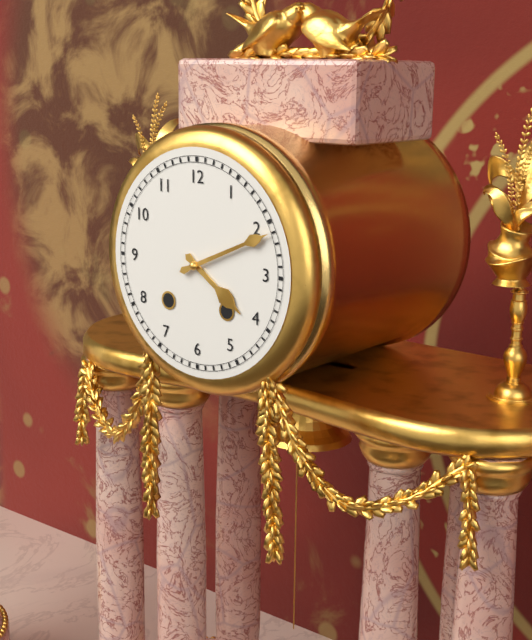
4,11
